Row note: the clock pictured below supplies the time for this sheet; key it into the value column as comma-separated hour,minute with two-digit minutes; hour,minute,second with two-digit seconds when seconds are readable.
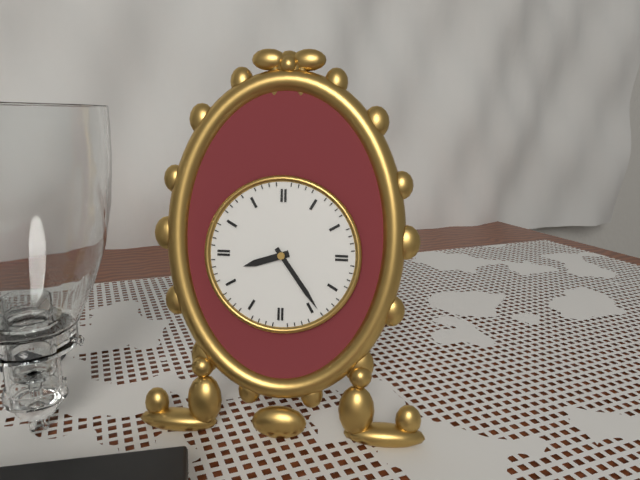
8,24
